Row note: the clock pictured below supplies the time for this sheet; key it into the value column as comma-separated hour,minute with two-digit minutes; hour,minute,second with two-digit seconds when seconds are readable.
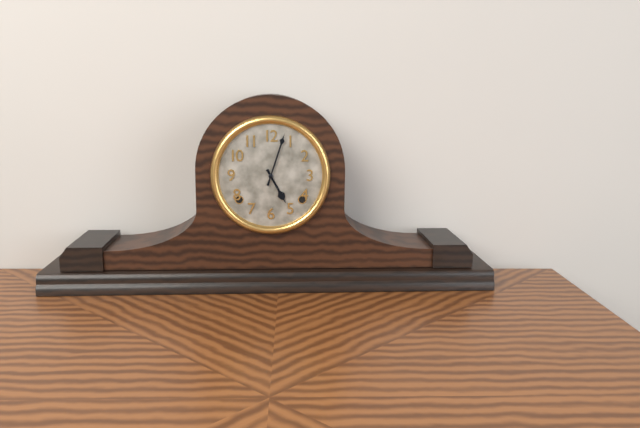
5,03
